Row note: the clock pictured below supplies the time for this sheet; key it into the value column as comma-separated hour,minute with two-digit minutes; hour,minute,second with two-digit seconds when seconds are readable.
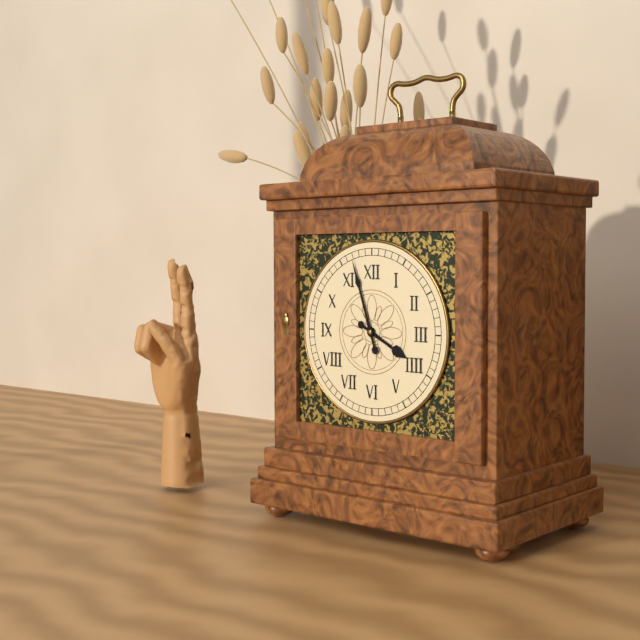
3,57
